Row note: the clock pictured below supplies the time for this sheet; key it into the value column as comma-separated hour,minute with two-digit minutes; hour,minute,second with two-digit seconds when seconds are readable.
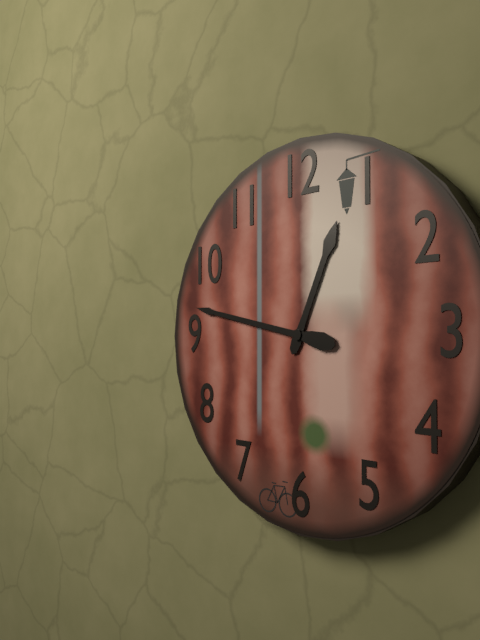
12,47
